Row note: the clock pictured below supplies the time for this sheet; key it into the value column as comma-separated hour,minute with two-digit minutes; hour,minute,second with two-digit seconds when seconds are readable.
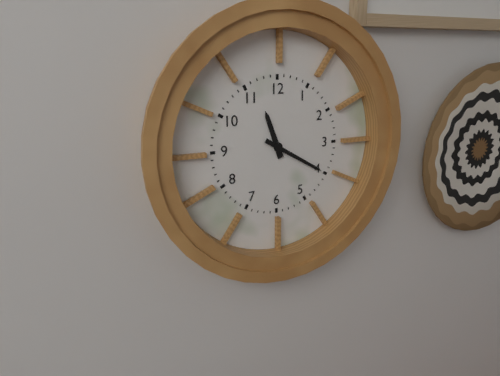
11,20
